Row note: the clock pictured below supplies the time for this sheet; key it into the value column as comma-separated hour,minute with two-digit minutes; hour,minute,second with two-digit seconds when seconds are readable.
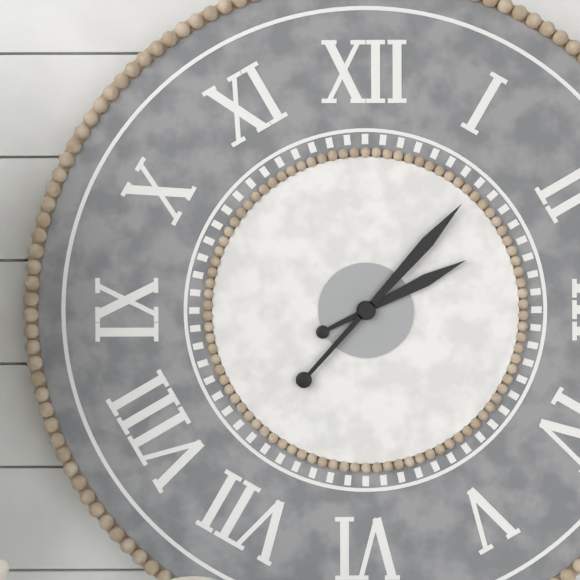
2,07
